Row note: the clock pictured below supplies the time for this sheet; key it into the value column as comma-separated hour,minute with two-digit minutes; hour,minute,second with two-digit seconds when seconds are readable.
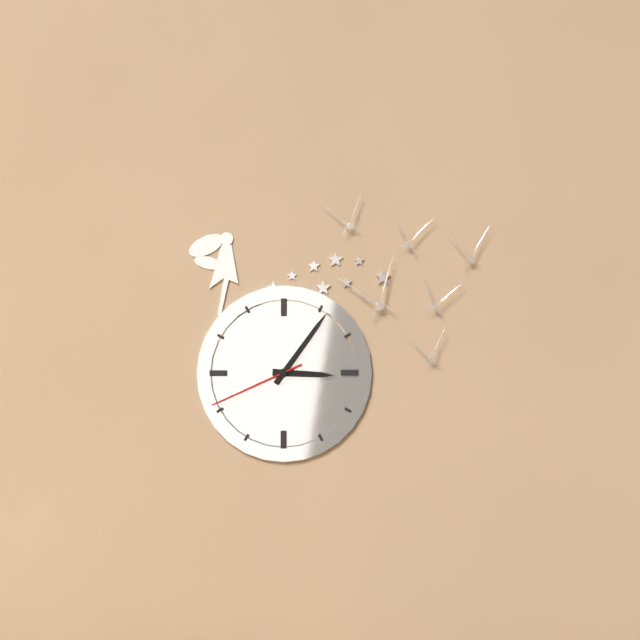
3,06,41
